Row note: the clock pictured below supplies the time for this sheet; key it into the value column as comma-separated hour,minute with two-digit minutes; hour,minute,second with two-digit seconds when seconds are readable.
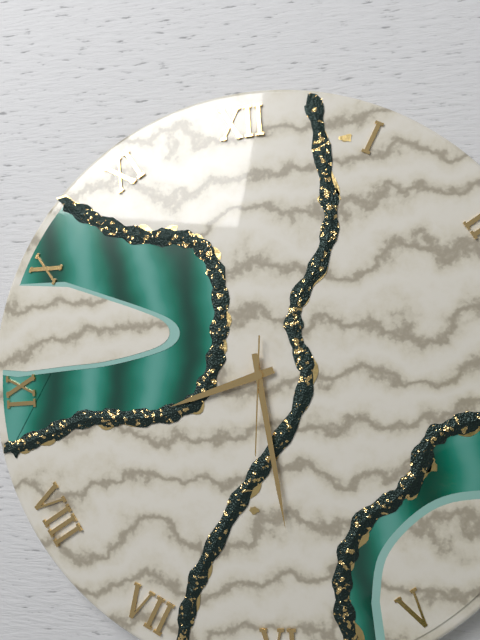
8,29,31
